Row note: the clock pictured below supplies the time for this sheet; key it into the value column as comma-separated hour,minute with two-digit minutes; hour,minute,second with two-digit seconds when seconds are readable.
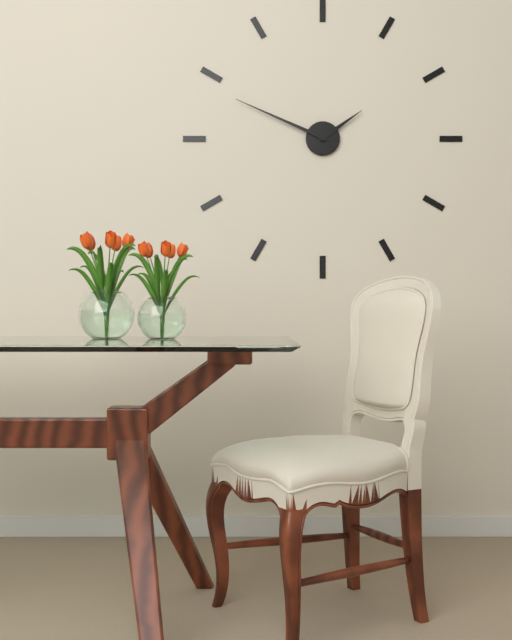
1,49
